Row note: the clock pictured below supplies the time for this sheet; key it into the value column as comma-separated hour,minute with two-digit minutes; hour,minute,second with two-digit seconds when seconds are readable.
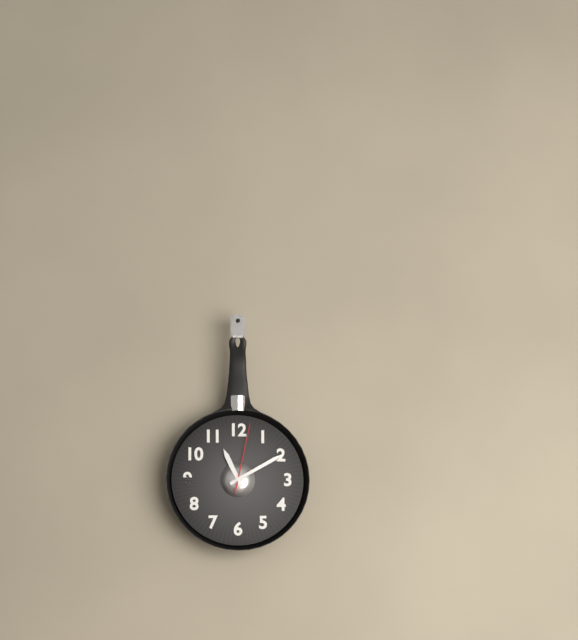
11,10,02
